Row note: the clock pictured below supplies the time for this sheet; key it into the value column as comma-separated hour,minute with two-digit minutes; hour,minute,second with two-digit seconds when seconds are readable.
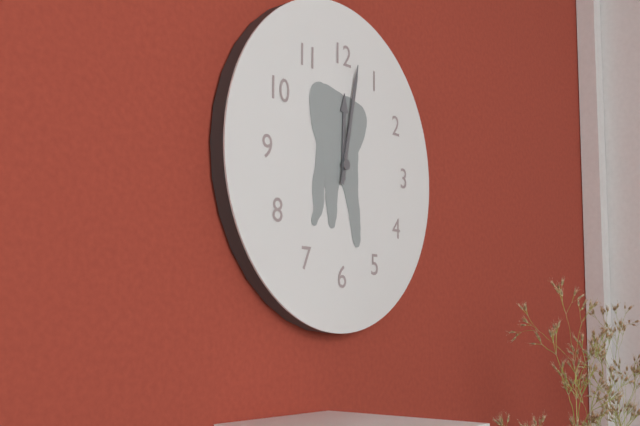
12,02
